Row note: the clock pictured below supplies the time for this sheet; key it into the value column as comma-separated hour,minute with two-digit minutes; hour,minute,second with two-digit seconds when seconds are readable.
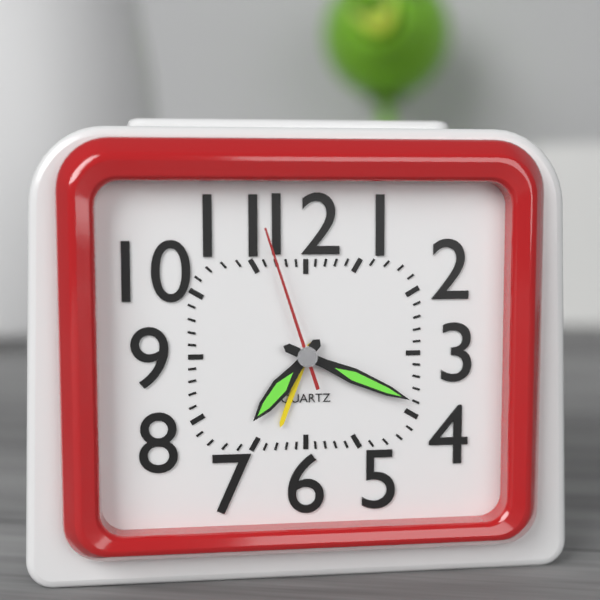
7,19,57
